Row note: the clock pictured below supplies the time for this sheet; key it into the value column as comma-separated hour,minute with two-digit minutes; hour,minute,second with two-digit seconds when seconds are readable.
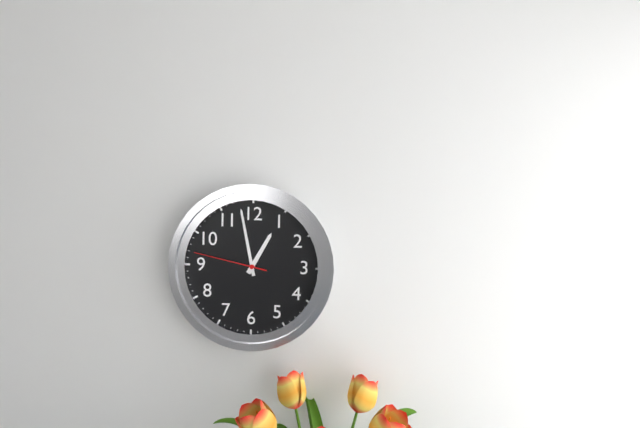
12,58,47
